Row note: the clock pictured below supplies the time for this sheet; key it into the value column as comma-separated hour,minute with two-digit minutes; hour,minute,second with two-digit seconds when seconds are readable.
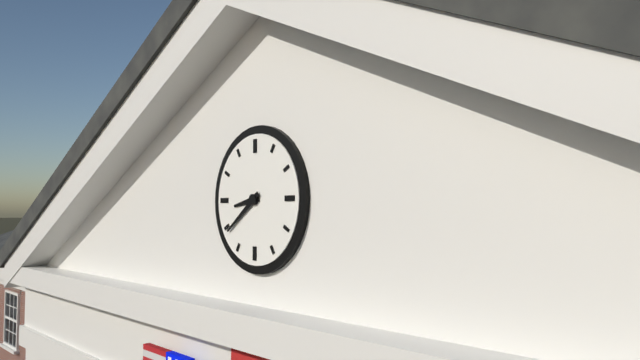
8,39
